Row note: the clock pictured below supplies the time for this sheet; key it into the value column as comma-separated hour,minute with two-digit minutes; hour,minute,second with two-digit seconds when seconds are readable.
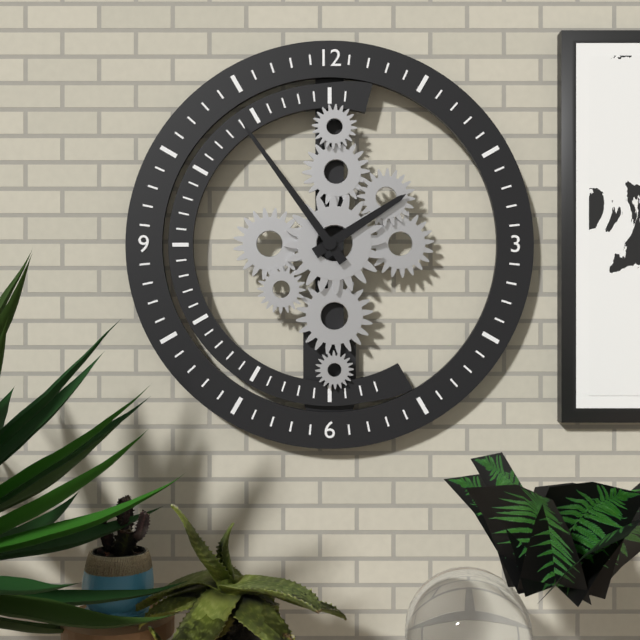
1,54
